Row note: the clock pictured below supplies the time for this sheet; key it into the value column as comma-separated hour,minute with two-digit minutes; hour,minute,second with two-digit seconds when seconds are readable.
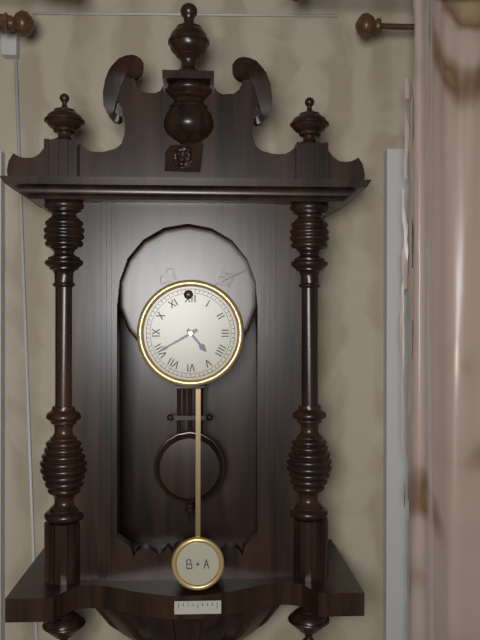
4,40
